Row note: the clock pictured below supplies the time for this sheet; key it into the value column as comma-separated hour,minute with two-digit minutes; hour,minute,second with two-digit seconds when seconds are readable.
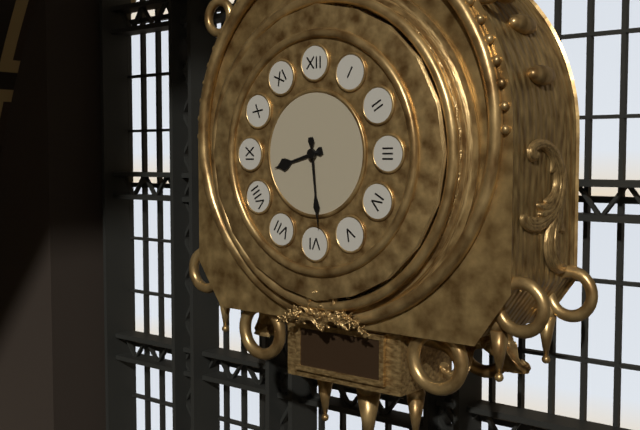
8,29
